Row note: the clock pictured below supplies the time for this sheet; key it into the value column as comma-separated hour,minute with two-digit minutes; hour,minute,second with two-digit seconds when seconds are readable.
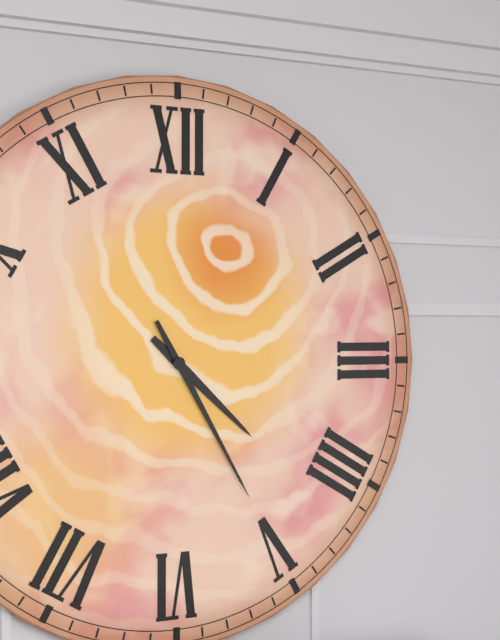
4,25
